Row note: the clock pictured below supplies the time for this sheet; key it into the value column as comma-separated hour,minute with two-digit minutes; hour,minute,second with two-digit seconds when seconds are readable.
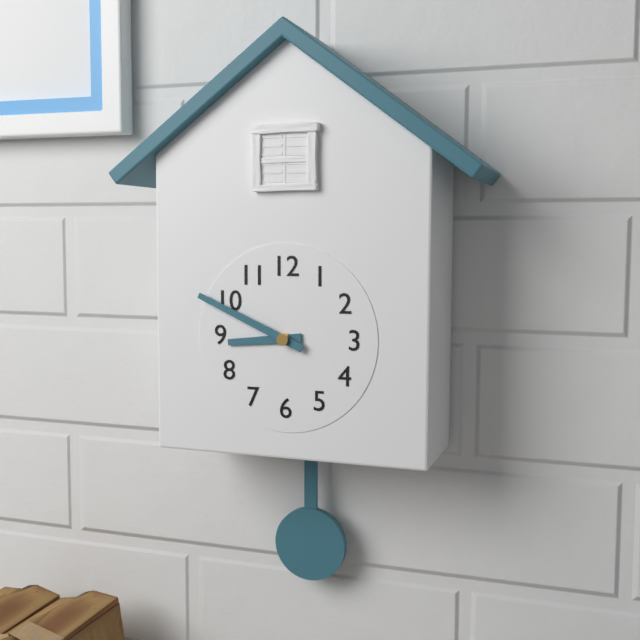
8,49
